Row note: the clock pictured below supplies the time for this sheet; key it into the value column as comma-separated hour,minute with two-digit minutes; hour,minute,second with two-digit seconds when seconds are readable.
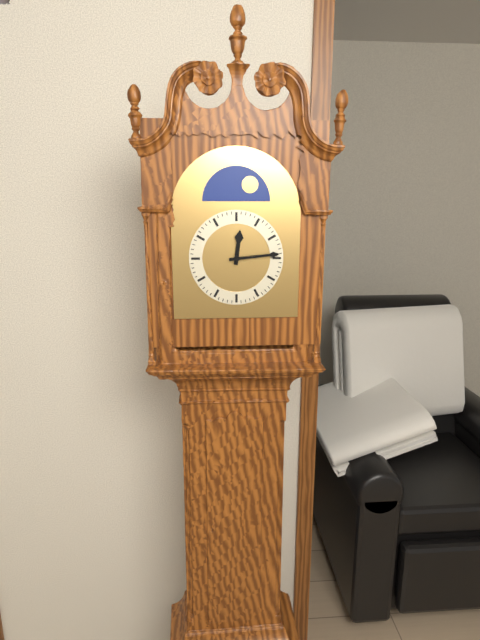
12,14
